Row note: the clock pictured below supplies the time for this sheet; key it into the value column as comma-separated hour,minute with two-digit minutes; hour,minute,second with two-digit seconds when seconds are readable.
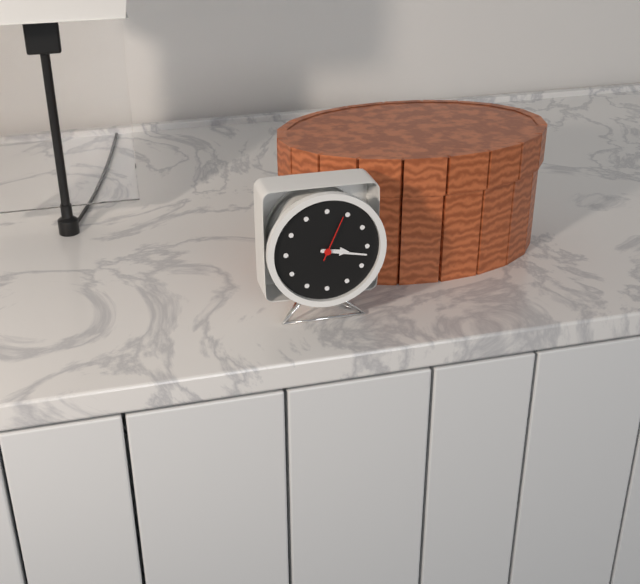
3,17
